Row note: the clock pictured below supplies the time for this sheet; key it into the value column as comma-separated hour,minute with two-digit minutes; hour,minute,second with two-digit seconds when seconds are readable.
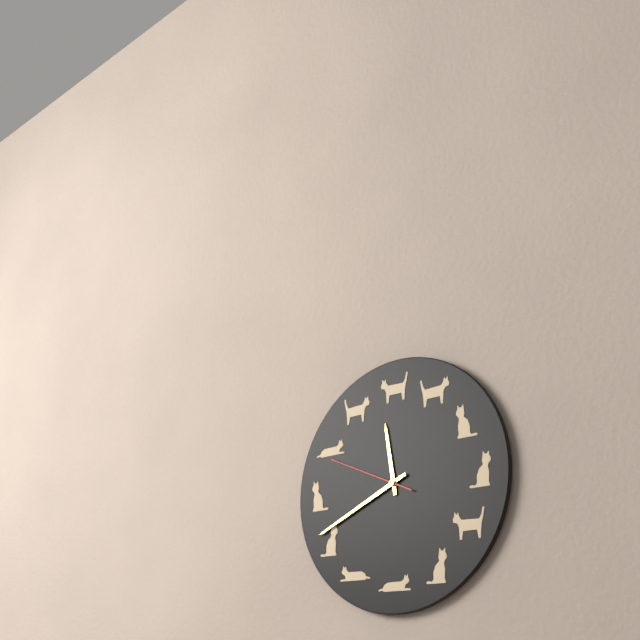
11,41,49
